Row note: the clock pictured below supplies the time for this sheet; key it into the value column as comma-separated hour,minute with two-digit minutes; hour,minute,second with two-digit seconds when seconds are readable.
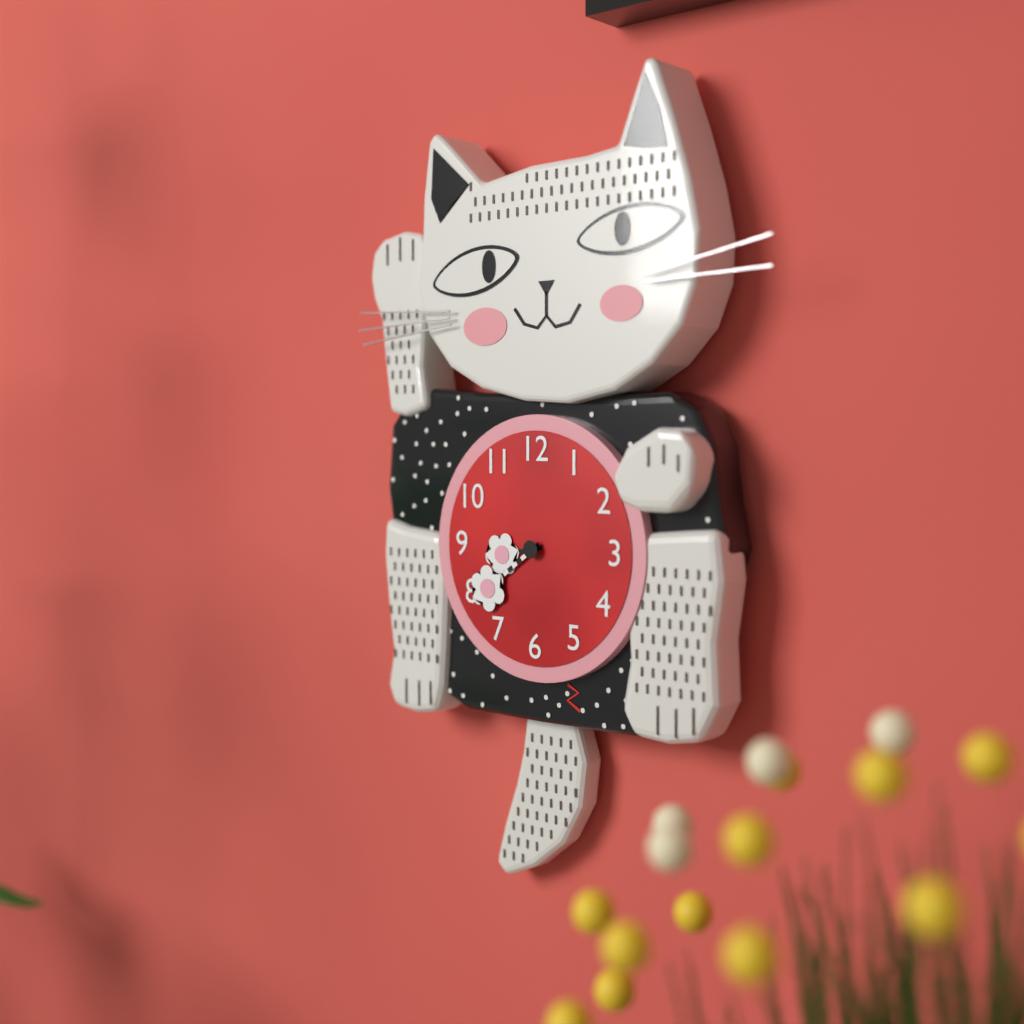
8,39
